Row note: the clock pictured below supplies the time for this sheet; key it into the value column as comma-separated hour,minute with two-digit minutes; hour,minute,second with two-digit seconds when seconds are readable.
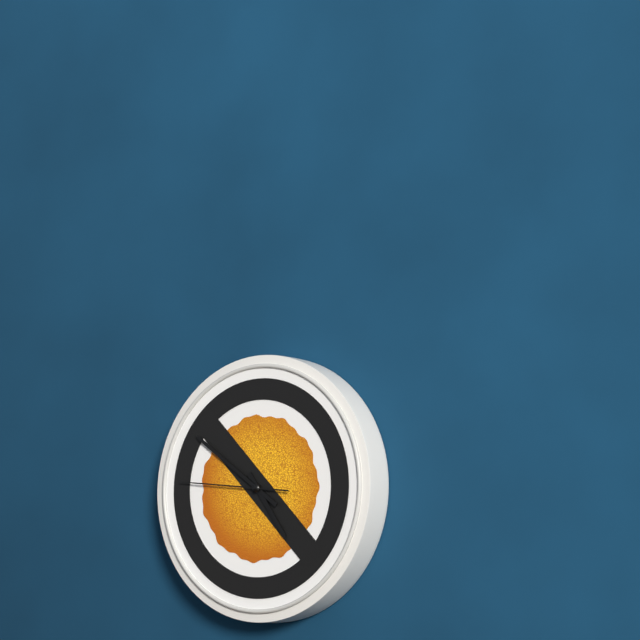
4,51,46
